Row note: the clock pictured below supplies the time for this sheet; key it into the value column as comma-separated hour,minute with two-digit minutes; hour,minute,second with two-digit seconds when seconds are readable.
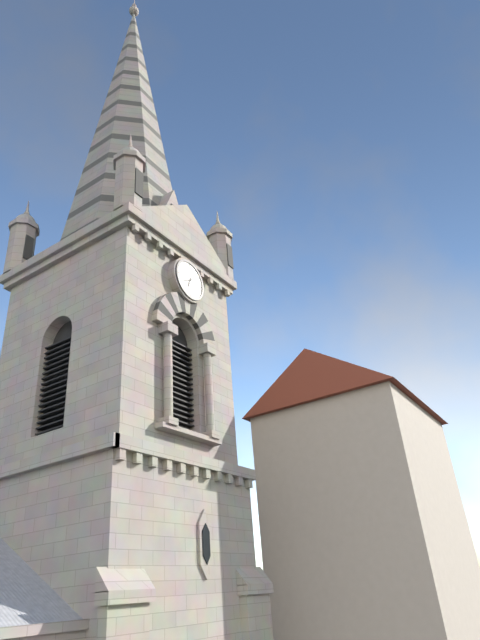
6,40
